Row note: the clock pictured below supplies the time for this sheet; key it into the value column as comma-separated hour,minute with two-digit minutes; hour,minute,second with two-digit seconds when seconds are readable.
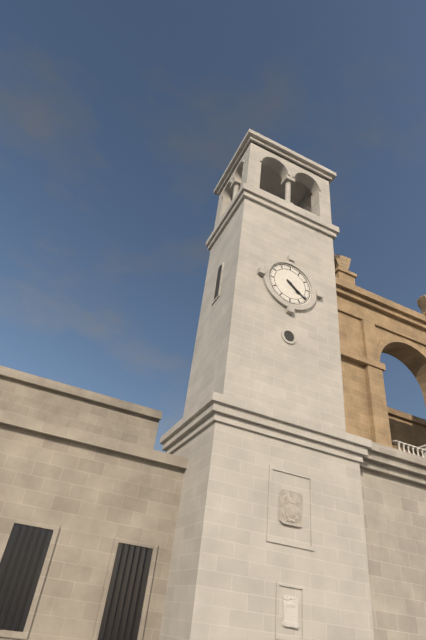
4,21
